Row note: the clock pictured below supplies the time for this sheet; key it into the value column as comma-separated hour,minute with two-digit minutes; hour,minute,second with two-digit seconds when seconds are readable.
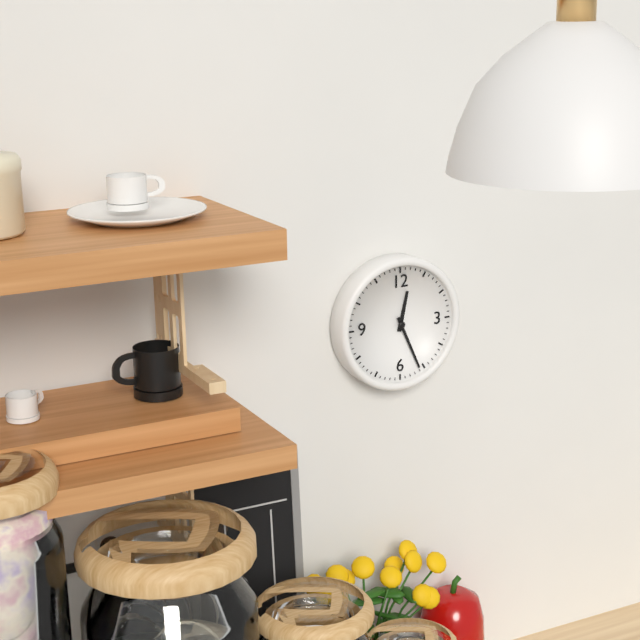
12,26
